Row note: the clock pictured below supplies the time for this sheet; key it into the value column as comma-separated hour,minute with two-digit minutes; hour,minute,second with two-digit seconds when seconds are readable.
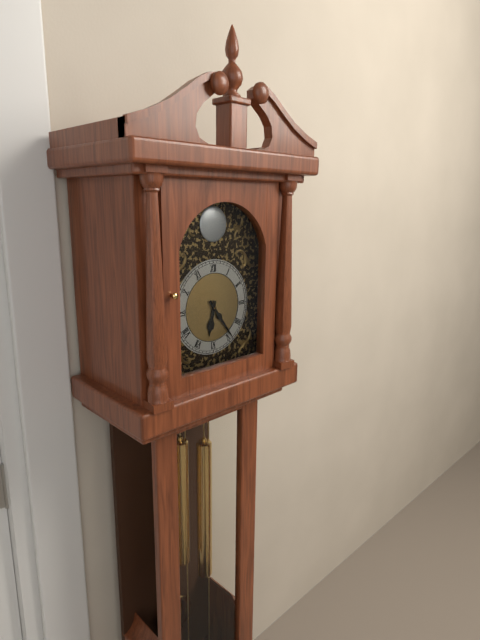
6,24
